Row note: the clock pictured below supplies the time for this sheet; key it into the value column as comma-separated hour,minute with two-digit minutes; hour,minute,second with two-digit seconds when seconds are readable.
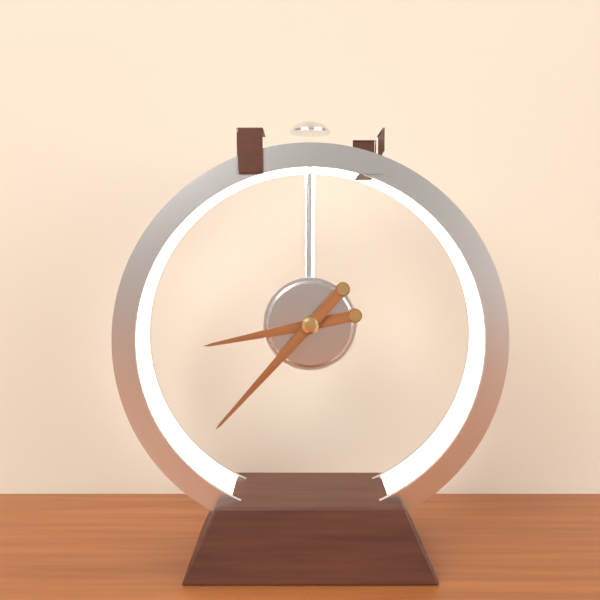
8,37
